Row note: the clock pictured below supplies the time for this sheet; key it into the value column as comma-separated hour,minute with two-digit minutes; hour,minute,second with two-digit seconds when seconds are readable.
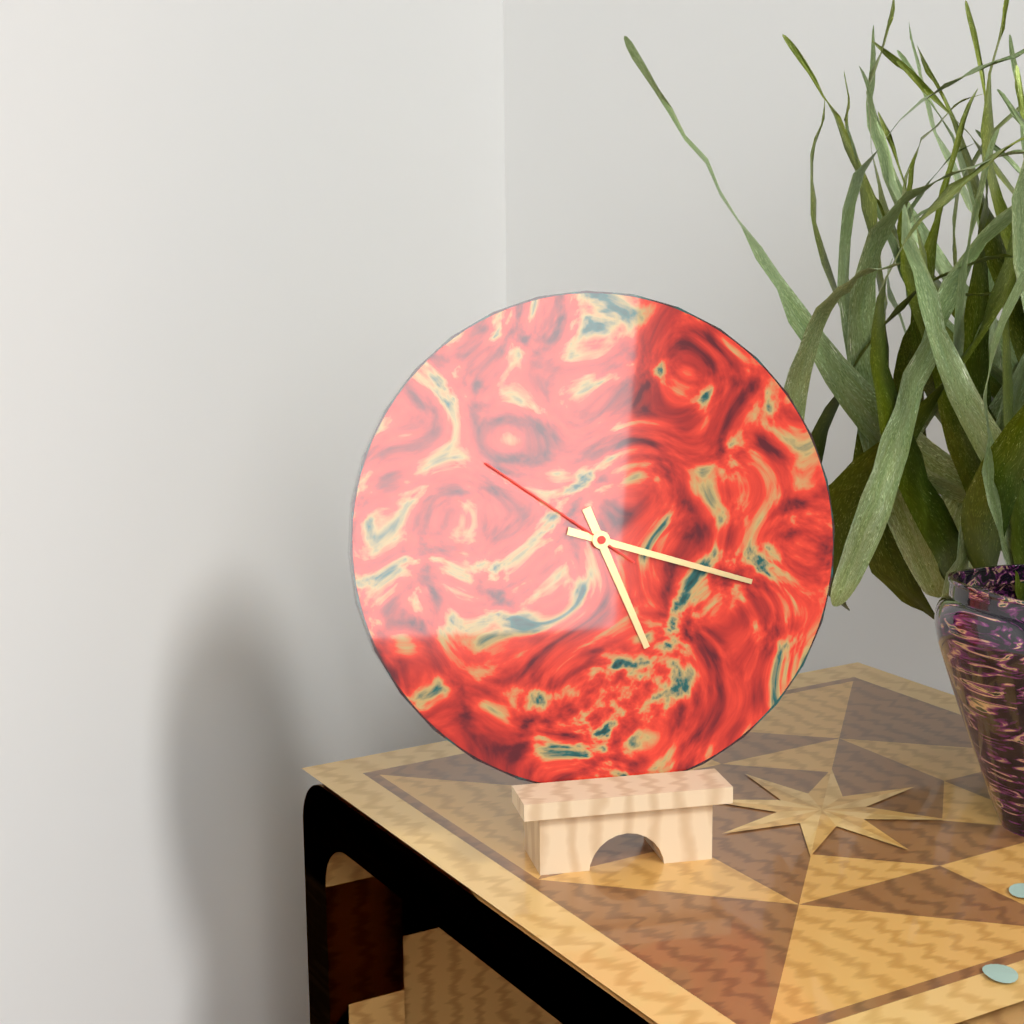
5,18,51
